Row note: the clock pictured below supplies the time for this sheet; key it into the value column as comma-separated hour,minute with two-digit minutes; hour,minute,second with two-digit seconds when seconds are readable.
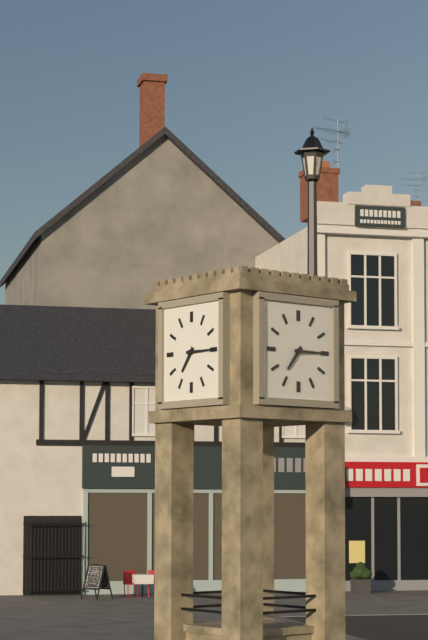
7,15
